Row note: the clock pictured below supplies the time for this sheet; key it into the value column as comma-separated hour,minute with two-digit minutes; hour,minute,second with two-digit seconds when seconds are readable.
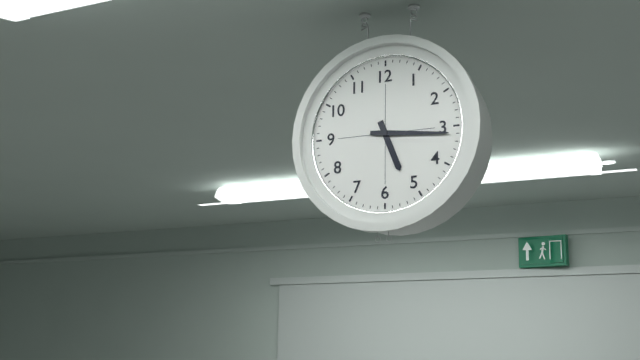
5,16
